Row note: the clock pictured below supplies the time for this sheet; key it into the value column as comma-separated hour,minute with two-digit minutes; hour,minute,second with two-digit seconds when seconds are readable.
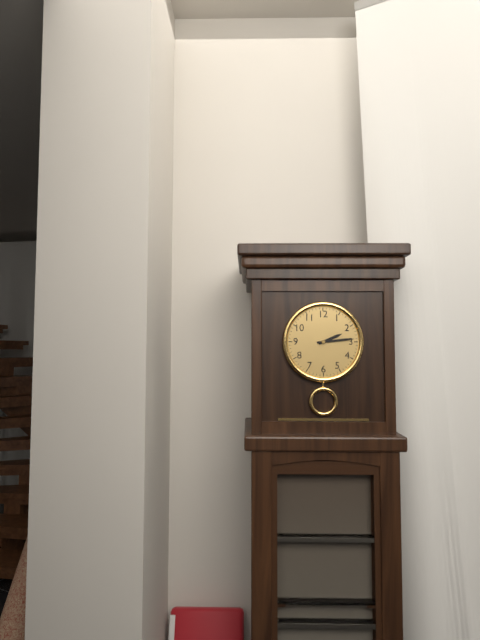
2,14
